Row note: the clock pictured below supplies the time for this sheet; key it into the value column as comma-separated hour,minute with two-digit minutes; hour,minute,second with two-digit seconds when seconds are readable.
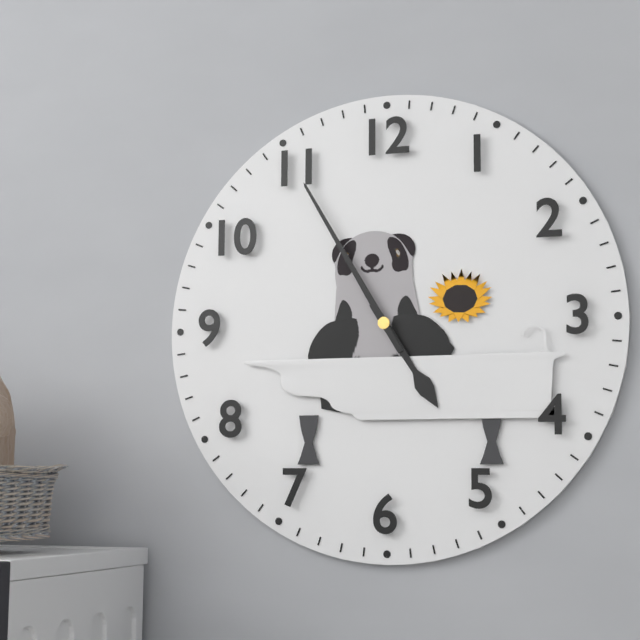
4,55
